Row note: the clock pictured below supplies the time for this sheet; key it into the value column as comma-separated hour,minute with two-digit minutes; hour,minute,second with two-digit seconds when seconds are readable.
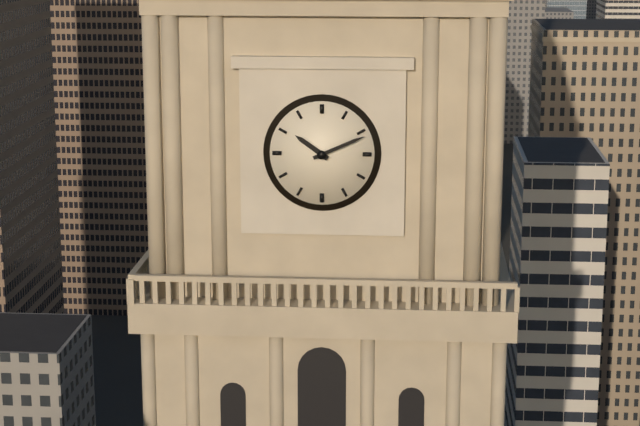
10,11
